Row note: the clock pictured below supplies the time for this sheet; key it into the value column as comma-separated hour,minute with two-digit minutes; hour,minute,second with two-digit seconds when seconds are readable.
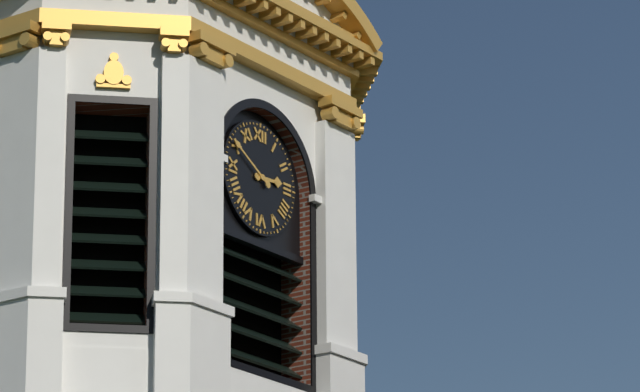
2,50
